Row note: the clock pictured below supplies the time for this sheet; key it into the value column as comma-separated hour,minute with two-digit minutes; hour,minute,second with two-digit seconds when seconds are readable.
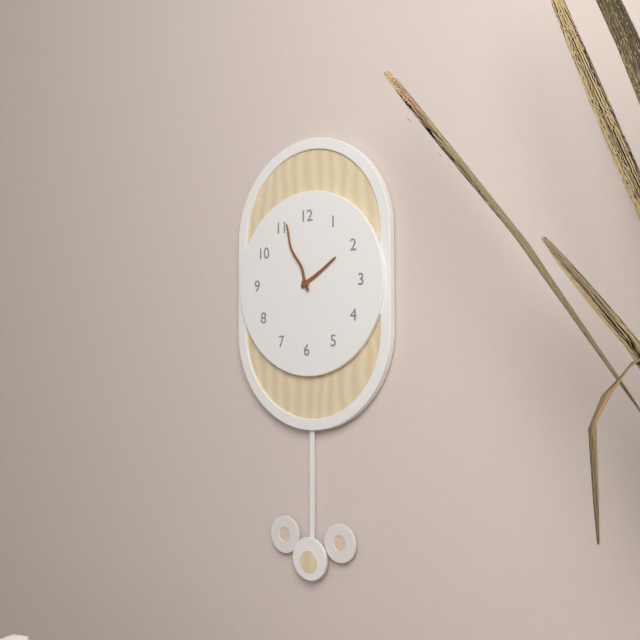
1,56
